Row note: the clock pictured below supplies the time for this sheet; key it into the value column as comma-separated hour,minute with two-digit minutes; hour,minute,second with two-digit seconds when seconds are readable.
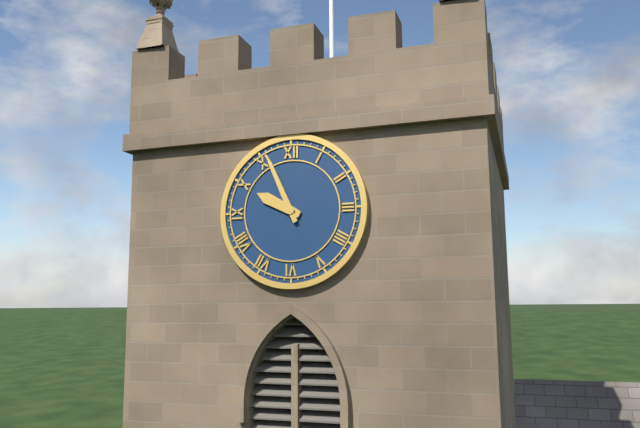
9,56
